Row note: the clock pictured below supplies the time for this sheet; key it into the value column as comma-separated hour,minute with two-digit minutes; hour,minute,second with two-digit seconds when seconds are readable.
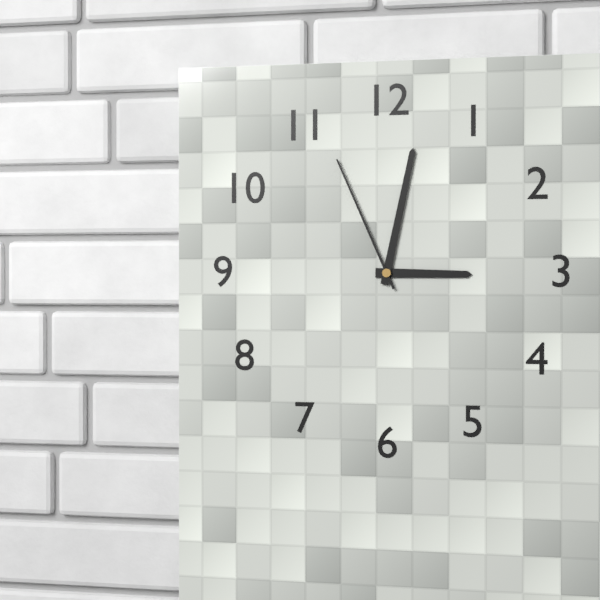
3,02,56
